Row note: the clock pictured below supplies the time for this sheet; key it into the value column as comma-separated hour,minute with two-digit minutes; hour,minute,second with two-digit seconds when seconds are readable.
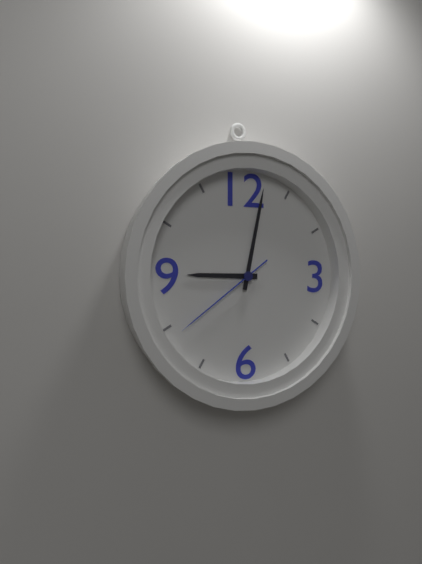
9,02,39
